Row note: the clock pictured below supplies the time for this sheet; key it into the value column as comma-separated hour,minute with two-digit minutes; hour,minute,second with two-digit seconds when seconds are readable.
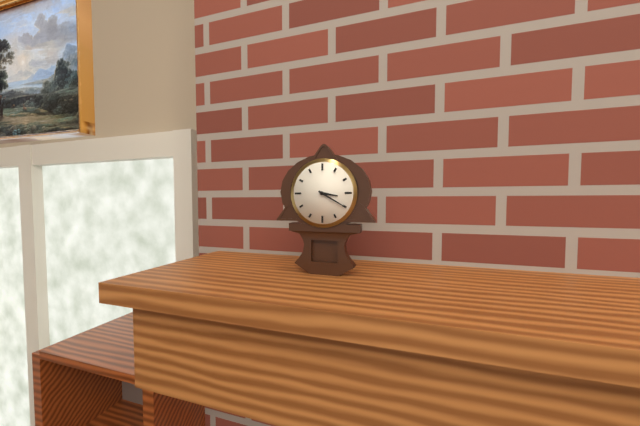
3,20
